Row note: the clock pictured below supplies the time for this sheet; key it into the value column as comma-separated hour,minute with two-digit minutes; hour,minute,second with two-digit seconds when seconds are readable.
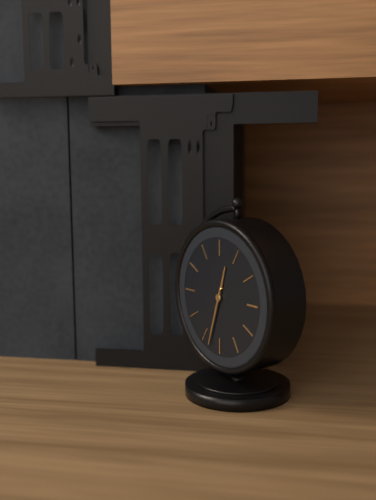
12,33
